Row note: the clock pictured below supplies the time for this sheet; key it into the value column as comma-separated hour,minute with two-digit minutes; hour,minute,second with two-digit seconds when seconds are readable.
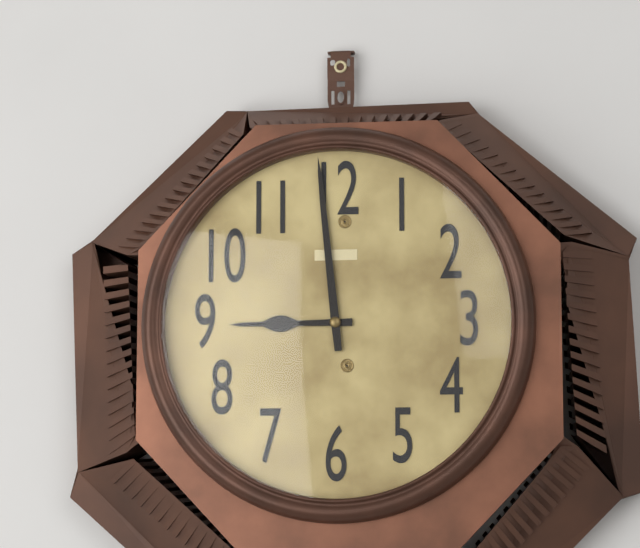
8,59
